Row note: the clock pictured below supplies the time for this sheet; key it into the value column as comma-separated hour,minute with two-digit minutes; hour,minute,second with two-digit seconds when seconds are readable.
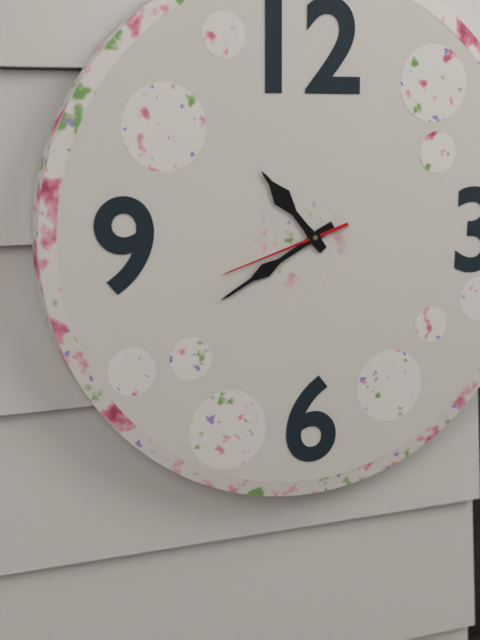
10,40,42
